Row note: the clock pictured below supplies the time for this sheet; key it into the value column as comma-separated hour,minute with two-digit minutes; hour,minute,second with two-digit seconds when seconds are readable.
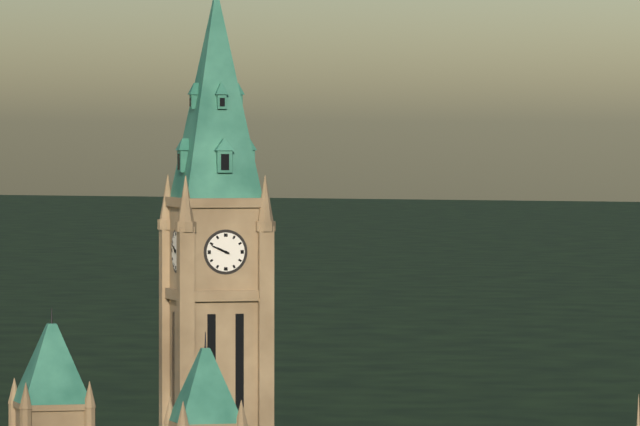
9,49
